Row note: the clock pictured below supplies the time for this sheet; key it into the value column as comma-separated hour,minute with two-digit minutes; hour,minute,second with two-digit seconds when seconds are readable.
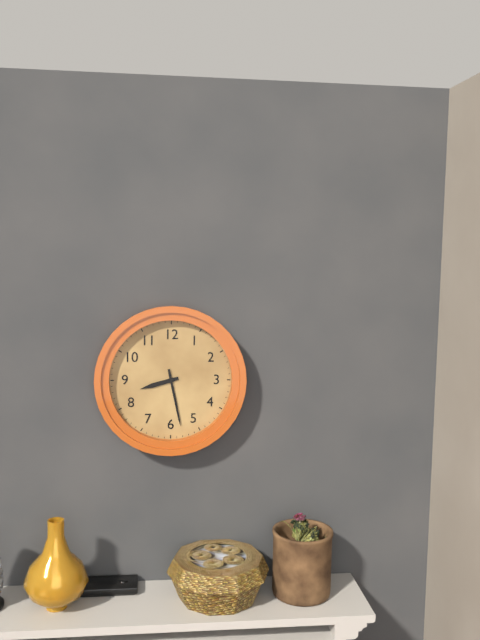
8,28
